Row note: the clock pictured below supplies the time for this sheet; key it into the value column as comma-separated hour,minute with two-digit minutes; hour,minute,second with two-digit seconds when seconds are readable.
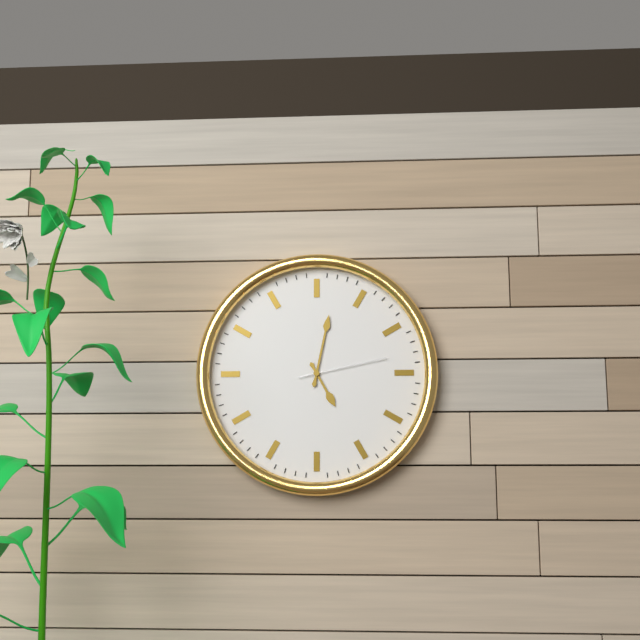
5,02,13
